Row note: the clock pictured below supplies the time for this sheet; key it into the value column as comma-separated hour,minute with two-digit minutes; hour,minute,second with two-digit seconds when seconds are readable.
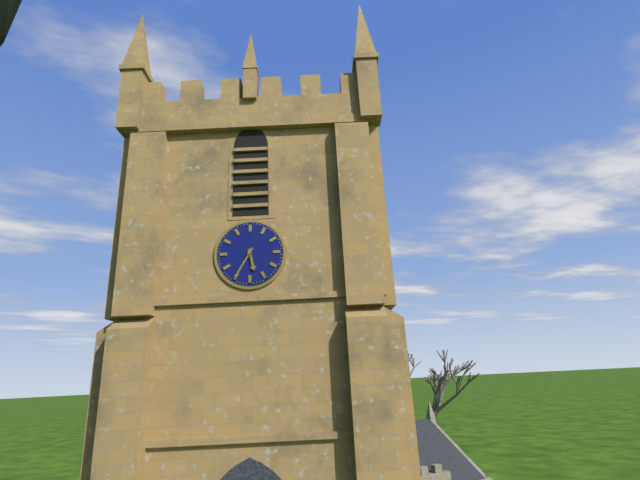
5,35
